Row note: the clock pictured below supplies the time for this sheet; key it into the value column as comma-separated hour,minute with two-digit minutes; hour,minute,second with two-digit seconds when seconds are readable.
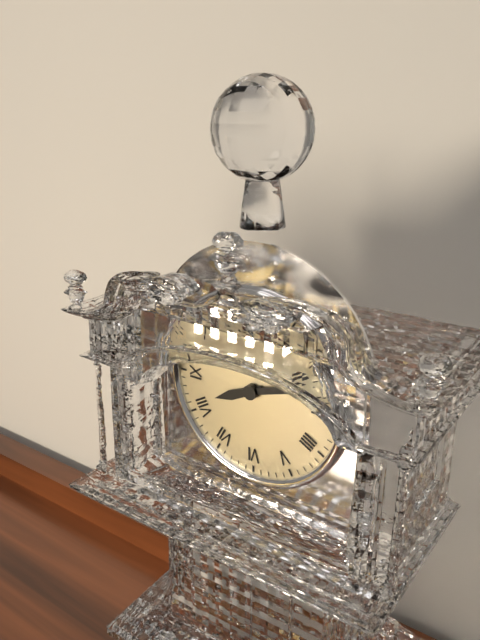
8,12
